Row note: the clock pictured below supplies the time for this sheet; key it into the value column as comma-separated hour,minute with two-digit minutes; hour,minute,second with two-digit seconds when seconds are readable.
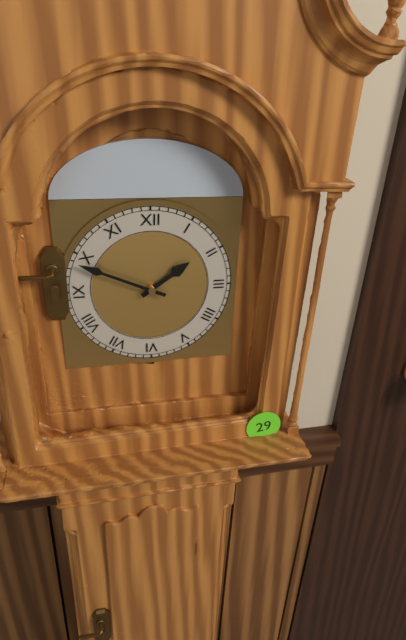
1,49
